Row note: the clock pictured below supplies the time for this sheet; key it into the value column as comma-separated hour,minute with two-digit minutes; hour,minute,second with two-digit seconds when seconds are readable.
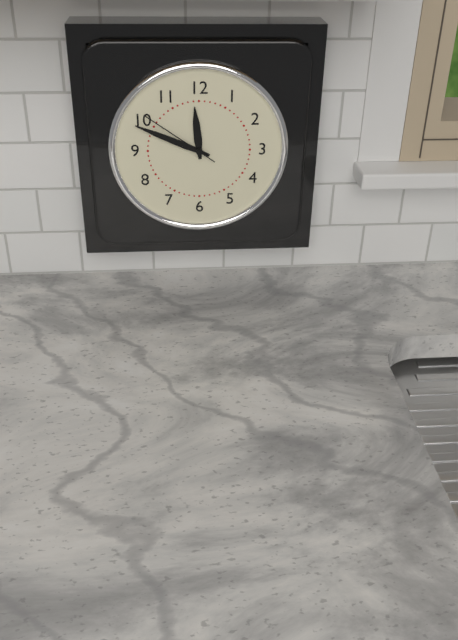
11,49,51
